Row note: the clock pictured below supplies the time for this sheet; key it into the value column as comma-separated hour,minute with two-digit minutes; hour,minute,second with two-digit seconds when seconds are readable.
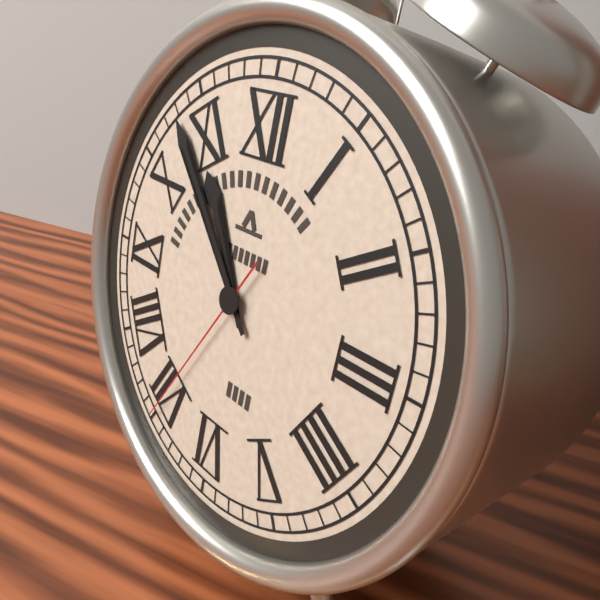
10,53,35
